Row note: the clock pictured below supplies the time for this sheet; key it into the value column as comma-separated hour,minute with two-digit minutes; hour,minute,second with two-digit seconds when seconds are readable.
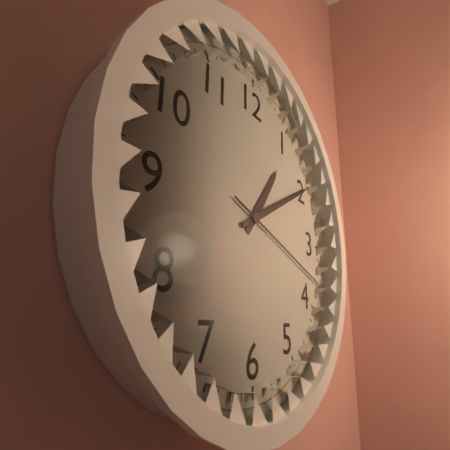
1,10,18
